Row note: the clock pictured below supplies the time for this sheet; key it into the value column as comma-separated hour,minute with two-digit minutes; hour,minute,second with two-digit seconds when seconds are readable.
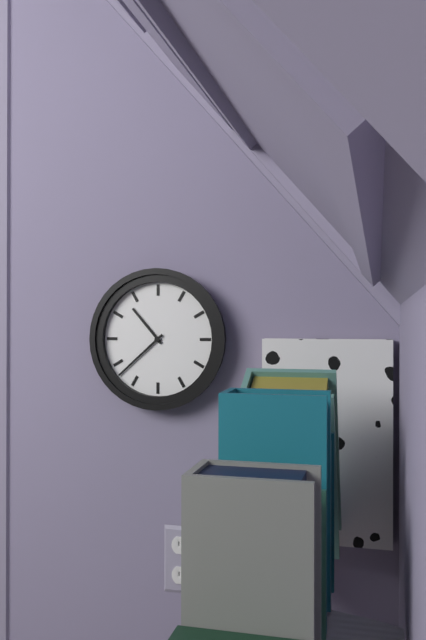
10,38
